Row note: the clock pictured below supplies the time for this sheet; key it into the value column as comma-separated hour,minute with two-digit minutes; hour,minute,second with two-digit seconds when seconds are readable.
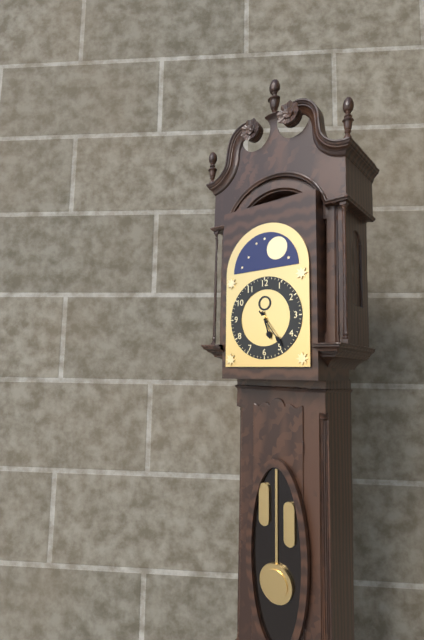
5,24
